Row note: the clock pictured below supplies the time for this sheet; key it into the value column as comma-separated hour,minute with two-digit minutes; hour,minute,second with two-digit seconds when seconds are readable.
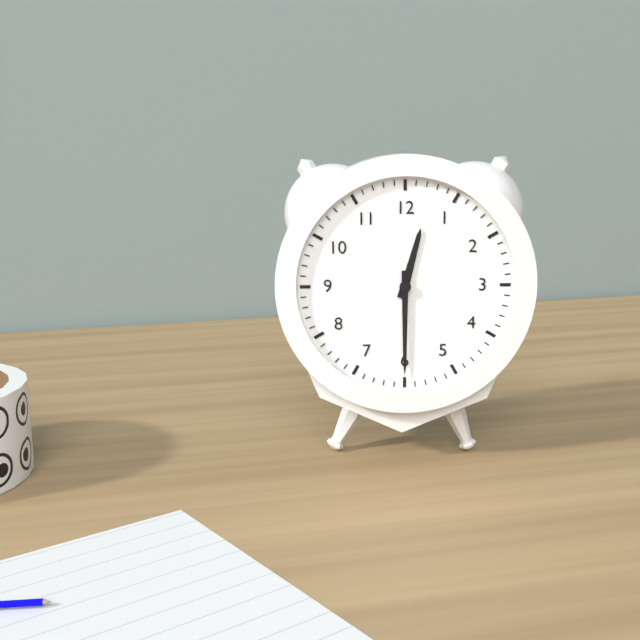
12,30
